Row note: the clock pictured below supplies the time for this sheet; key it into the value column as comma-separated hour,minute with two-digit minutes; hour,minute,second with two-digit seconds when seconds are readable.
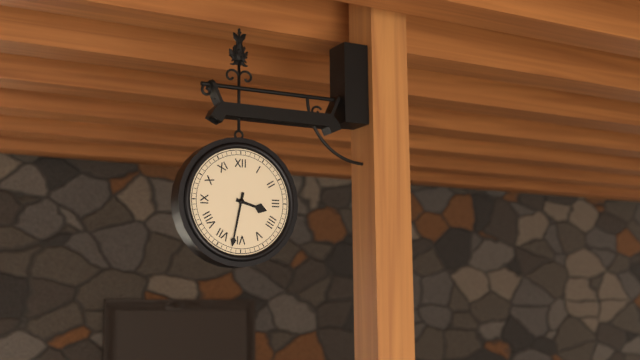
3,32
